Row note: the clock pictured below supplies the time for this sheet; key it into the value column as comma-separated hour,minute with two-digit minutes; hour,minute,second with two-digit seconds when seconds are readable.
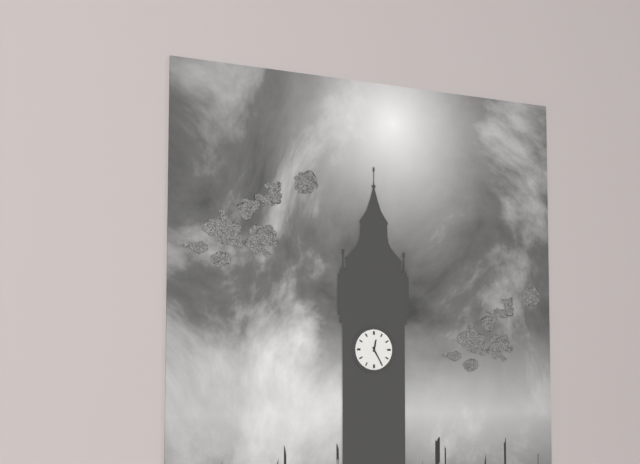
12,25
